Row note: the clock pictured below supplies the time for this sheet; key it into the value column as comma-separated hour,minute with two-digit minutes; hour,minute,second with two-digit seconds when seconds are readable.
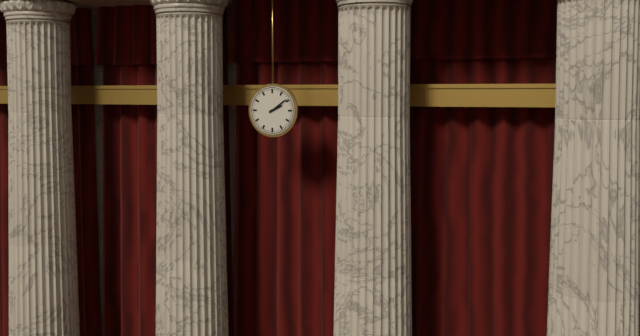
2,09
